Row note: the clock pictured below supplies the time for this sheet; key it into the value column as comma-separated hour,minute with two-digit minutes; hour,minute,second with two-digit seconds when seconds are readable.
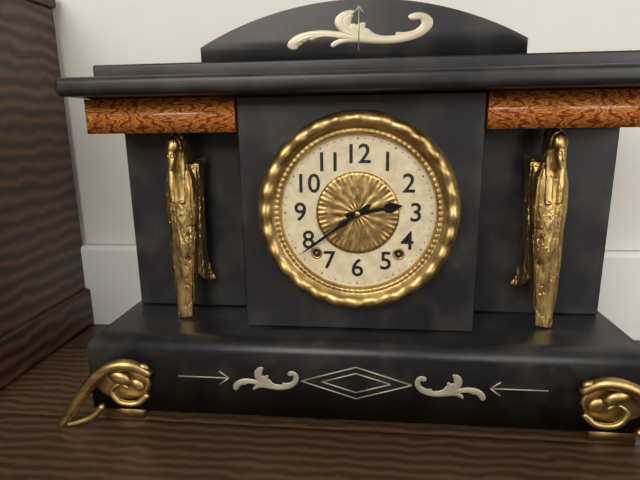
2,39
